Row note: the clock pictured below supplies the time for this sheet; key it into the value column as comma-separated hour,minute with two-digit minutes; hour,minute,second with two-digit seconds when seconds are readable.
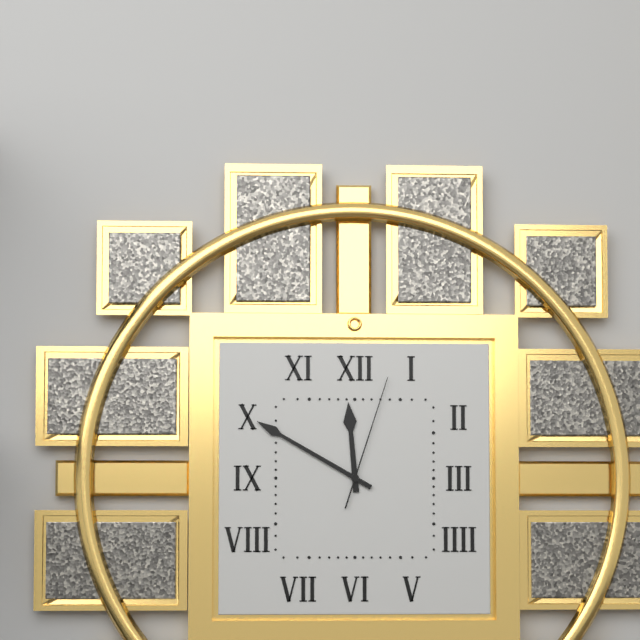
11,50,03
